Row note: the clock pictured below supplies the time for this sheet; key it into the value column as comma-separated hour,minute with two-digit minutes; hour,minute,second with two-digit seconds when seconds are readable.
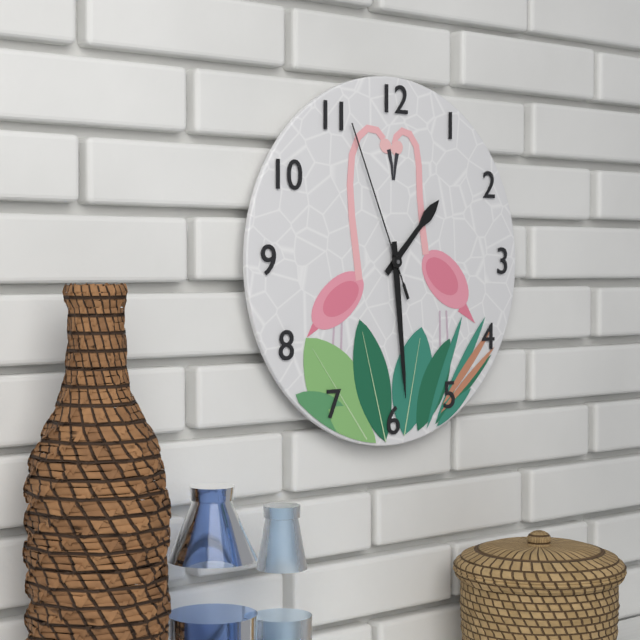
1,29,56
